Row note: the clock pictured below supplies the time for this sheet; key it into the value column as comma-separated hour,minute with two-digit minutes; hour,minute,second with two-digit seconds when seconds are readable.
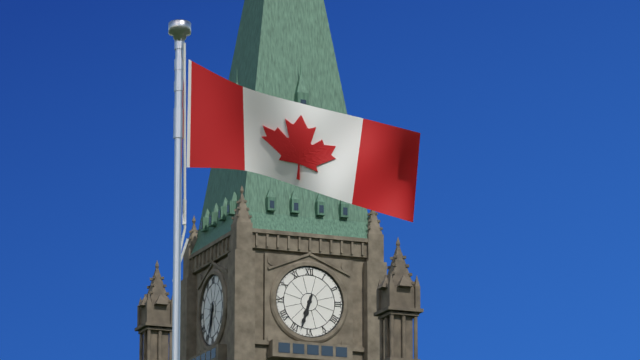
6,33
